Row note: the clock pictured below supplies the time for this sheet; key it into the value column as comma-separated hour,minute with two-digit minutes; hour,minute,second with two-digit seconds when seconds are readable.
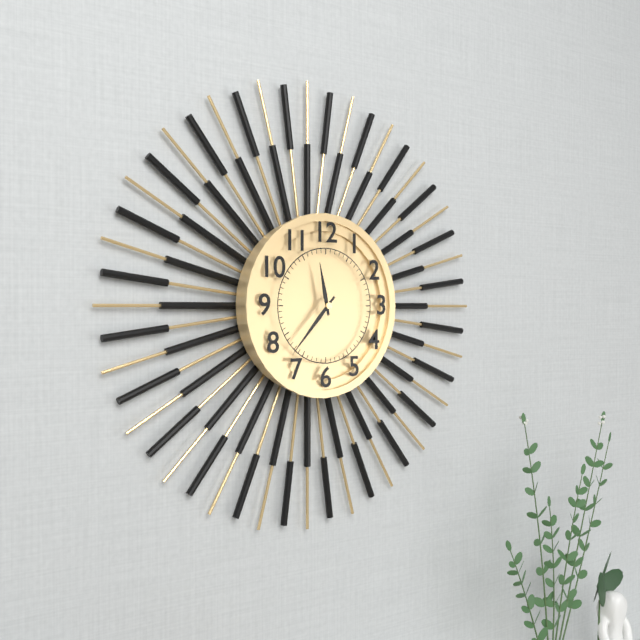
11,37
